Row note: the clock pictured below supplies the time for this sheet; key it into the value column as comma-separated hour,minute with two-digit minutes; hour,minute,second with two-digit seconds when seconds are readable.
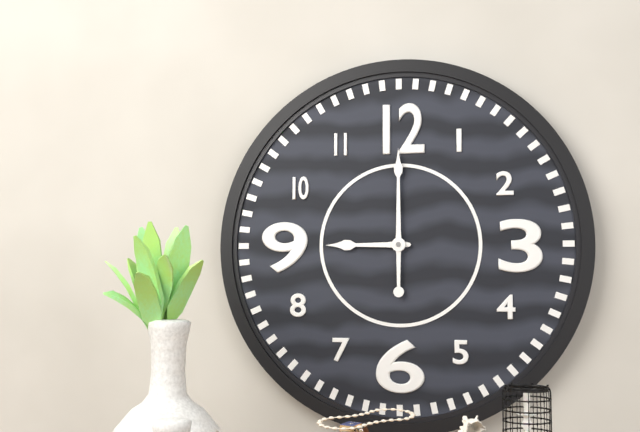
9,00
